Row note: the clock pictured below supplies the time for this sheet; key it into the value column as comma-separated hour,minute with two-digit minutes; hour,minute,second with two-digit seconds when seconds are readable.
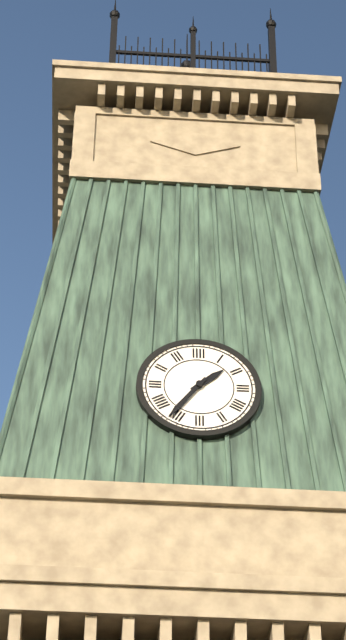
1,36
